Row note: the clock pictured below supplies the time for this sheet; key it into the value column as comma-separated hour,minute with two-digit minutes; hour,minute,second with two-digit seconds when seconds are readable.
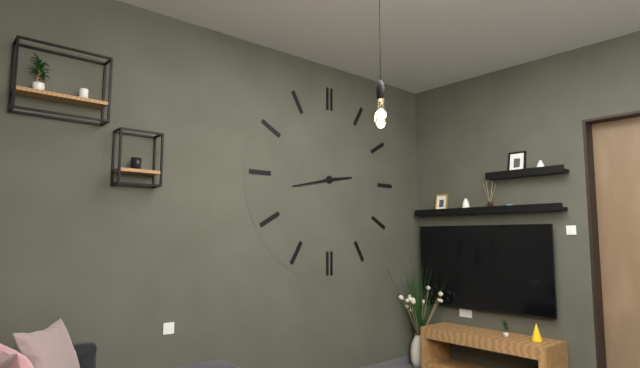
2,43
